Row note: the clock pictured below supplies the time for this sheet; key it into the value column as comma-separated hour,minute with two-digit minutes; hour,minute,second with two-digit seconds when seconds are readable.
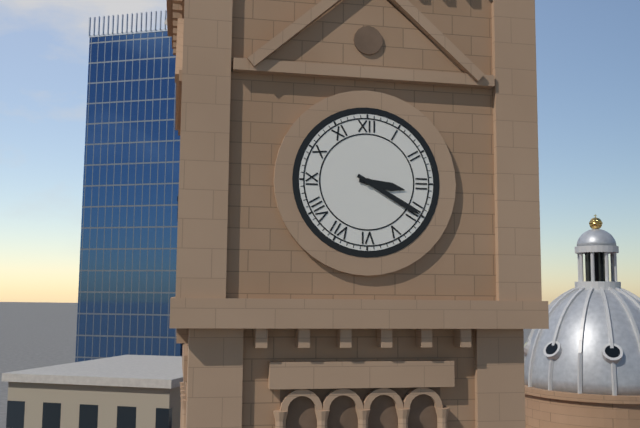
3,20
